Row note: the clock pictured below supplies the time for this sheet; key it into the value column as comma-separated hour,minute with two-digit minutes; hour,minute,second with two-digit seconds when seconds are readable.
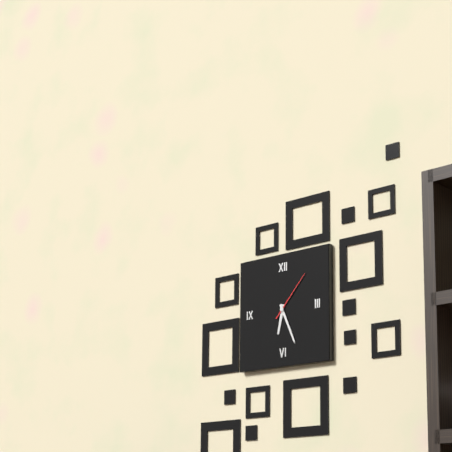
6,26,07
